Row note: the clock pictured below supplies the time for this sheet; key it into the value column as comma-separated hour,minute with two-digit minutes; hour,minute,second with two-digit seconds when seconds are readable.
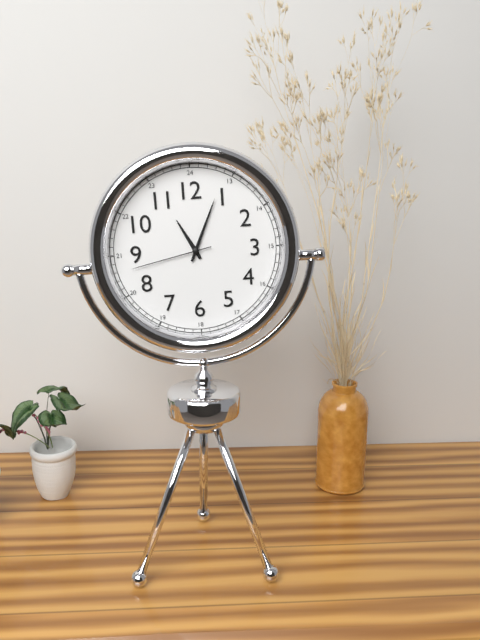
11,04,43
